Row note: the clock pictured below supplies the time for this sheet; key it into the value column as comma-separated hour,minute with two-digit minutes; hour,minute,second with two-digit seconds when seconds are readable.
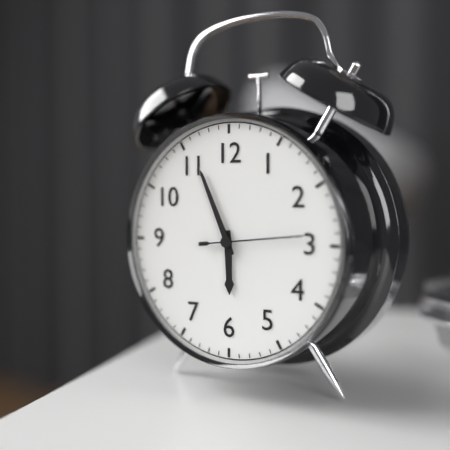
5,56,14
